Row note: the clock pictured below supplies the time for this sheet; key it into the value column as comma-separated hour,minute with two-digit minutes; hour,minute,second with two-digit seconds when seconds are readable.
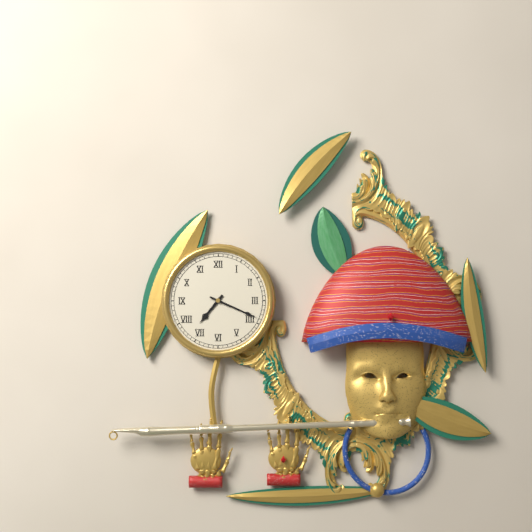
7,19
